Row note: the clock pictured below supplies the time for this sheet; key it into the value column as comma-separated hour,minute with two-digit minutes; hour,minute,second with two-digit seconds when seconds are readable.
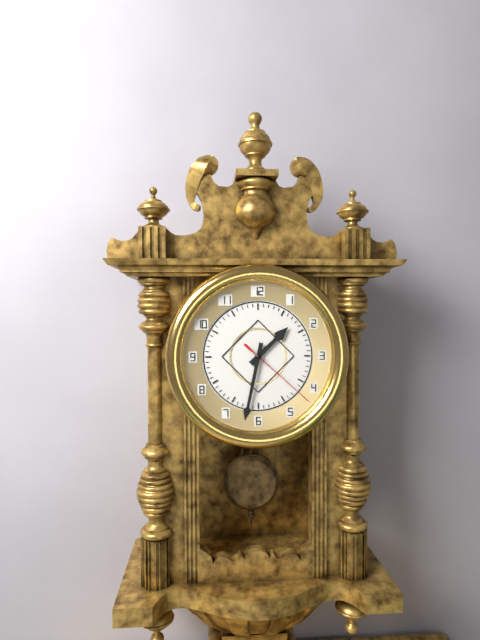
1,32,22
